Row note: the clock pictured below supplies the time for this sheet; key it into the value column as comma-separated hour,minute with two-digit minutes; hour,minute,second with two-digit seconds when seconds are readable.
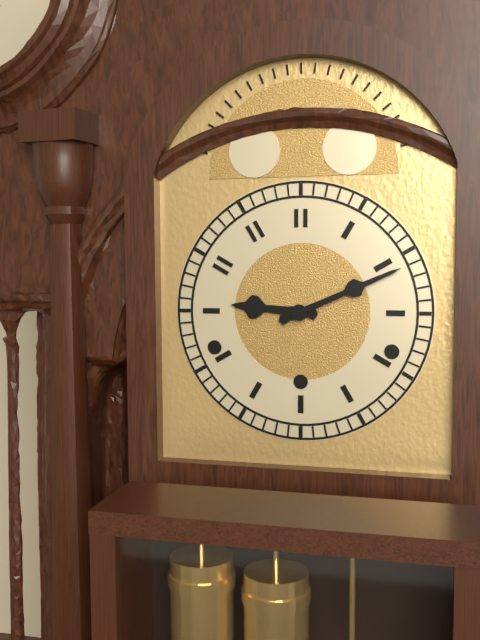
9,11
